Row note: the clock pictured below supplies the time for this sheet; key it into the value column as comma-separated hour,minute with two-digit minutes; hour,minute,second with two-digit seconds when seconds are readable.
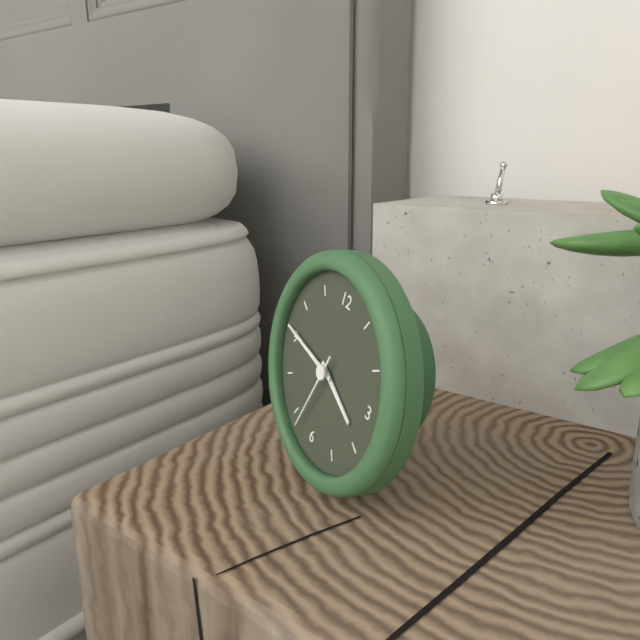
3,46,33
